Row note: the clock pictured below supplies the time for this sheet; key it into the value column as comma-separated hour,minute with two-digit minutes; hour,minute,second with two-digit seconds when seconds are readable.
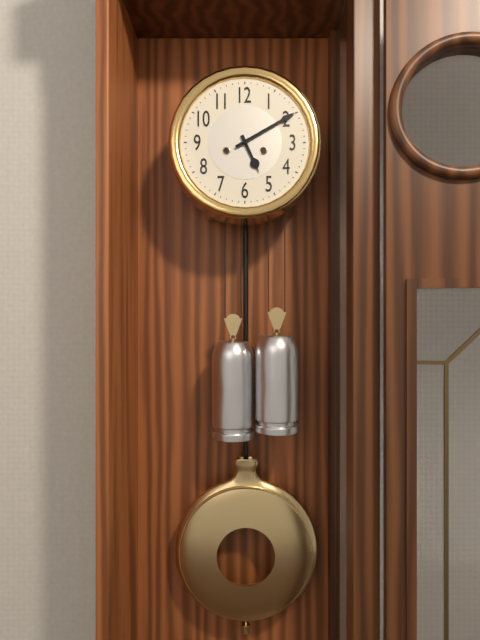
5,10
